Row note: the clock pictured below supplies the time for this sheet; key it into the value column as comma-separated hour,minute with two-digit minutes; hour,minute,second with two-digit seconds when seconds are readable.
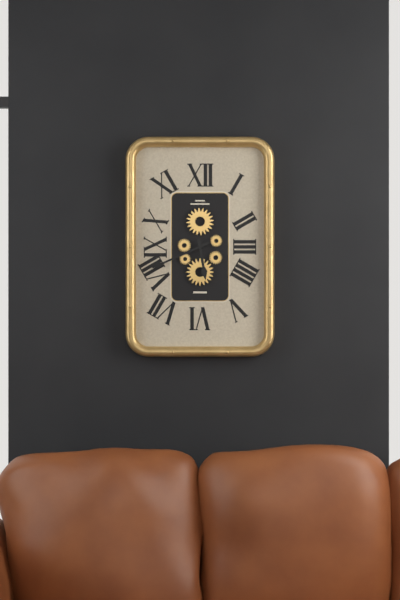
5,41
